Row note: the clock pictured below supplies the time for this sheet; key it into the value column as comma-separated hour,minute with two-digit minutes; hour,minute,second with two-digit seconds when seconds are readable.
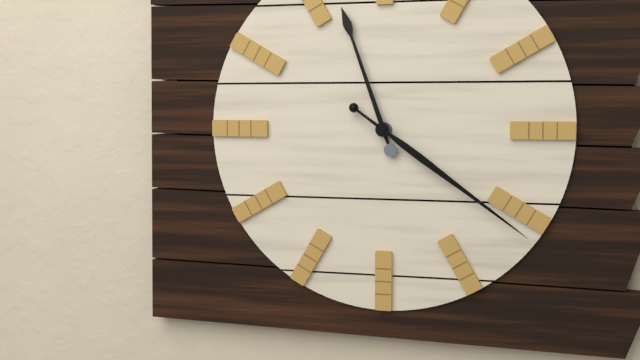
11,21
